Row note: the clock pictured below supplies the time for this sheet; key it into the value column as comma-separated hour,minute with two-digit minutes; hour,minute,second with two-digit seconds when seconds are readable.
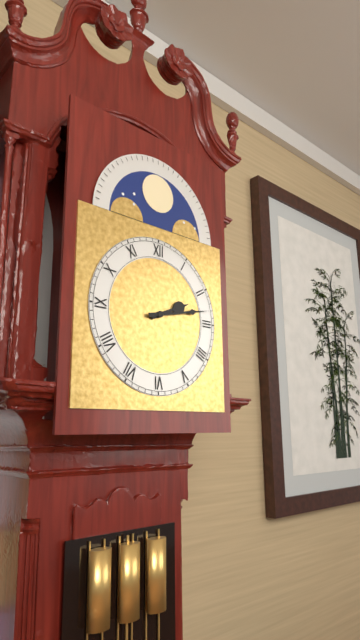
2,13
